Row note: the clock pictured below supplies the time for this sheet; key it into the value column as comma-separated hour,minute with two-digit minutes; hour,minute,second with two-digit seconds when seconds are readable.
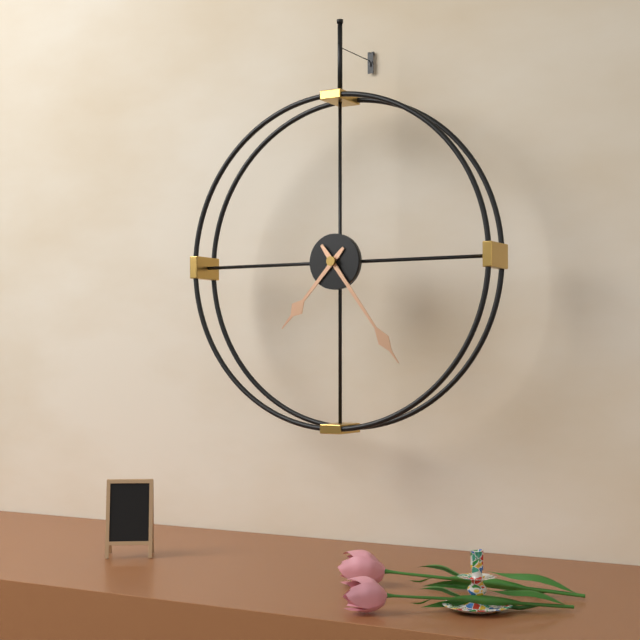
7,24
